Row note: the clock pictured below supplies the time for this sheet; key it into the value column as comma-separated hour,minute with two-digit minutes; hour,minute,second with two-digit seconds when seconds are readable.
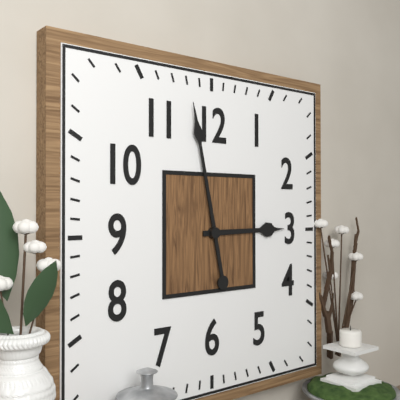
2,58
